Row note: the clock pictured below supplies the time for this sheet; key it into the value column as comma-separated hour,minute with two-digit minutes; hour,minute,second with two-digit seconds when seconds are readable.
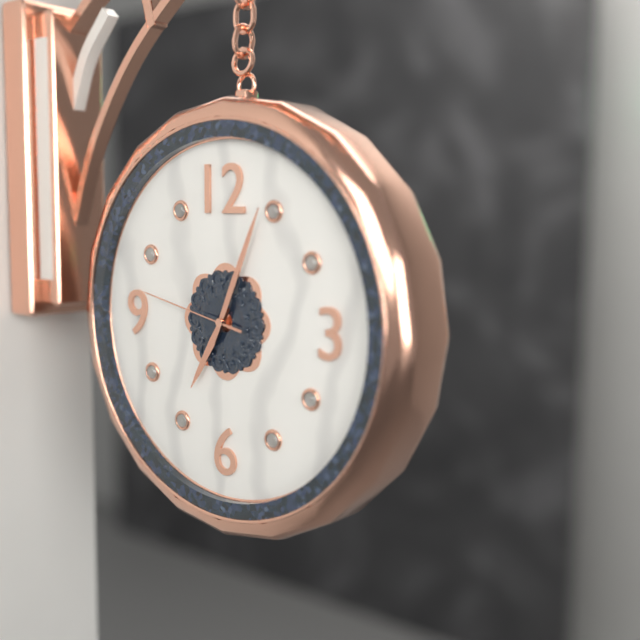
7,04,47
